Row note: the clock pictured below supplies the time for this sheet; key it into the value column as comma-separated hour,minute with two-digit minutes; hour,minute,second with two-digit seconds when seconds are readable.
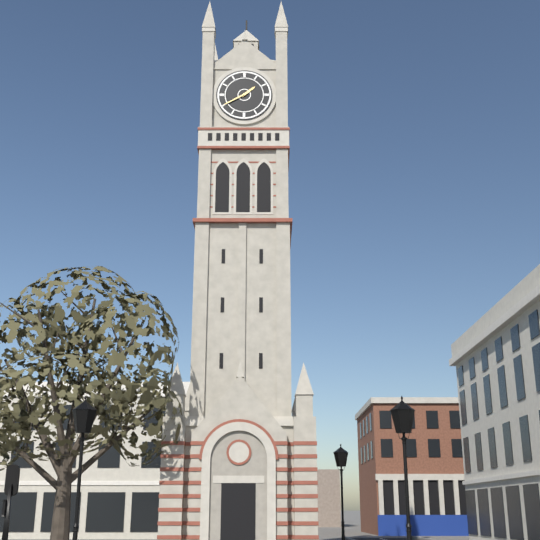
1,40
